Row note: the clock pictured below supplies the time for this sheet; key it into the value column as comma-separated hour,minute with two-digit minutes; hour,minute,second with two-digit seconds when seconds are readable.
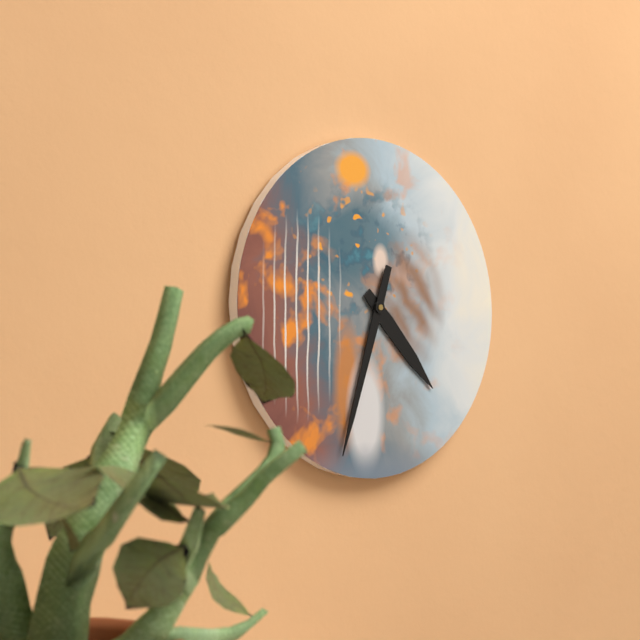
4,33
